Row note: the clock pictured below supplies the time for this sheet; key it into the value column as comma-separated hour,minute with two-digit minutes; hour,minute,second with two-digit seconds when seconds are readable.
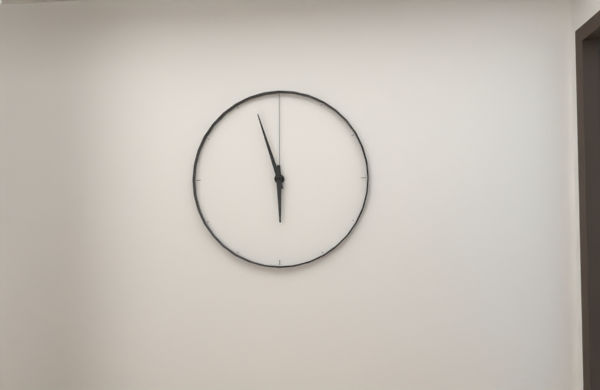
5,57
